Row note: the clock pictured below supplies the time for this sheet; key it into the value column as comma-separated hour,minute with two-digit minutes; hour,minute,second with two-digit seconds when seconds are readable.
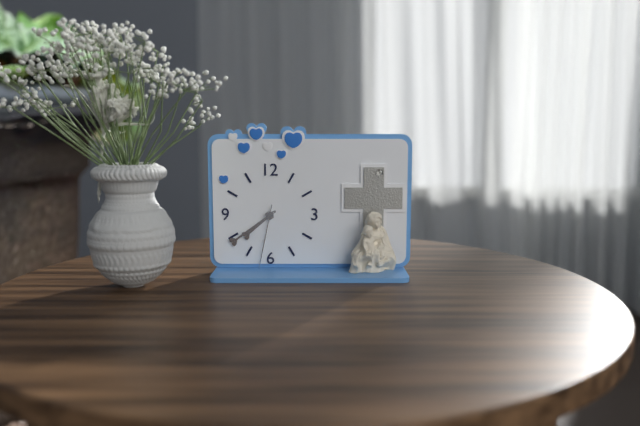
7,39,32
